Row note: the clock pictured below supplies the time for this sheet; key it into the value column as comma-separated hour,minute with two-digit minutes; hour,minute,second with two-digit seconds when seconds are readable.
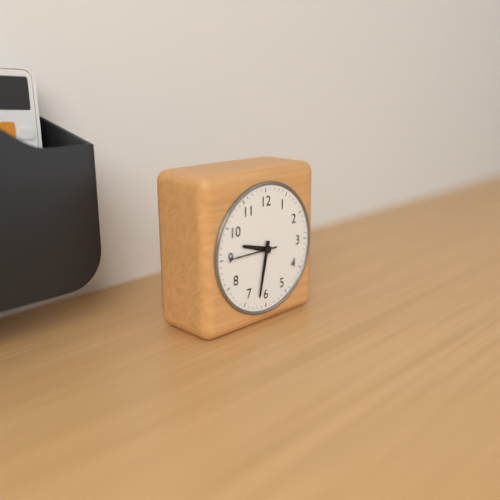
9,32,45
